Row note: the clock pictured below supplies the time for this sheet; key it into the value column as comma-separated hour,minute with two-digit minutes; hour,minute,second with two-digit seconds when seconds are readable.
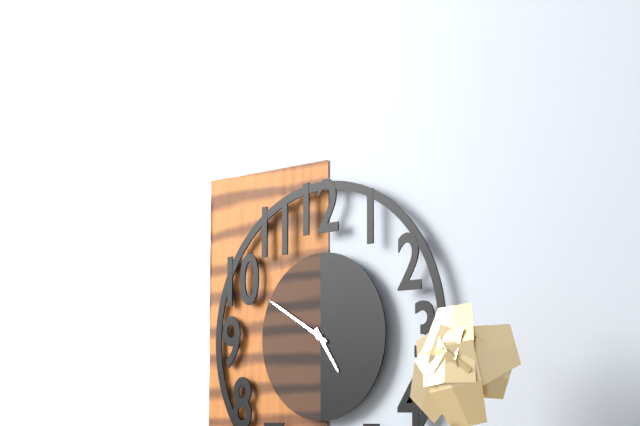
4,50
